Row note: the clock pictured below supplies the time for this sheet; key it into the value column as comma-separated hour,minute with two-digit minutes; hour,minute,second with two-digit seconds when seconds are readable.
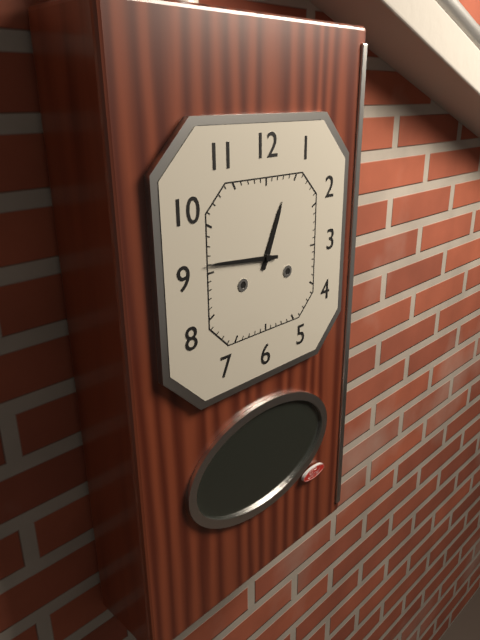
12,46
